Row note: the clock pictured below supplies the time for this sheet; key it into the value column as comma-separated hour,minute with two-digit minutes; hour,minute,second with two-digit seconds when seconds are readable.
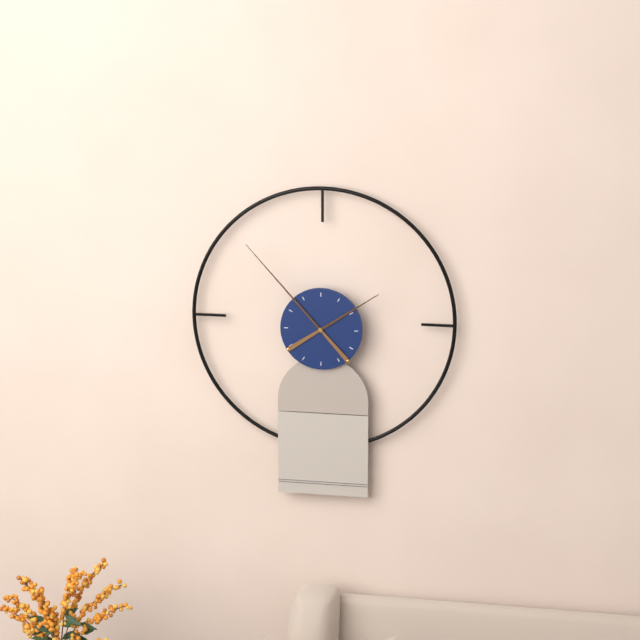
1,53
